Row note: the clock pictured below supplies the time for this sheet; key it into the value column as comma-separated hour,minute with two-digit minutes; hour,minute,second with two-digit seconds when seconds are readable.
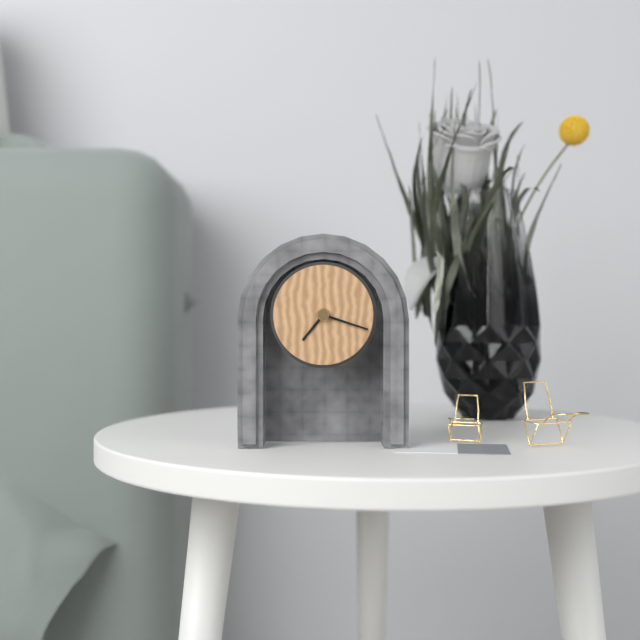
7,18
